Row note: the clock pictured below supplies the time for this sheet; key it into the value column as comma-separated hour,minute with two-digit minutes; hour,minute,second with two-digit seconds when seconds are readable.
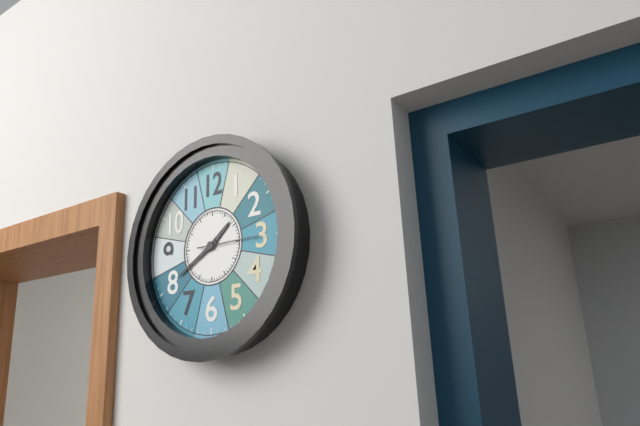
1,40,15
